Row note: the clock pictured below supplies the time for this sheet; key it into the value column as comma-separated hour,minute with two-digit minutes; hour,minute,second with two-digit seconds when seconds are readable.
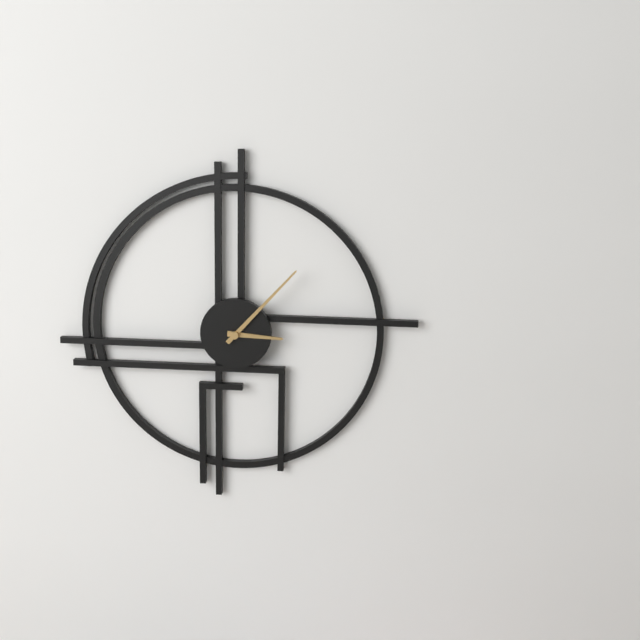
3,07
